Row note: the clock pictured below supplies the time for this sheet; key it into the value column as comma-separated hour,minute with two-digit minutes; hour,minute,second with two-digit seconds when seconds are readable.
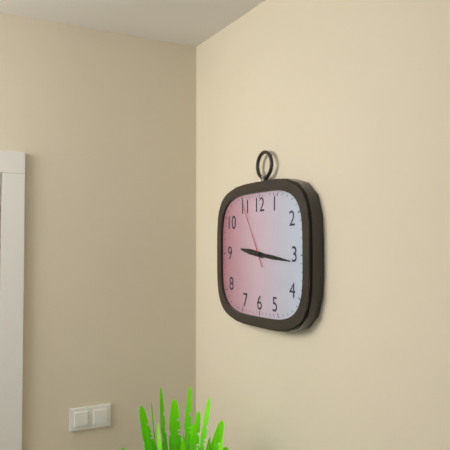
9,16,55
